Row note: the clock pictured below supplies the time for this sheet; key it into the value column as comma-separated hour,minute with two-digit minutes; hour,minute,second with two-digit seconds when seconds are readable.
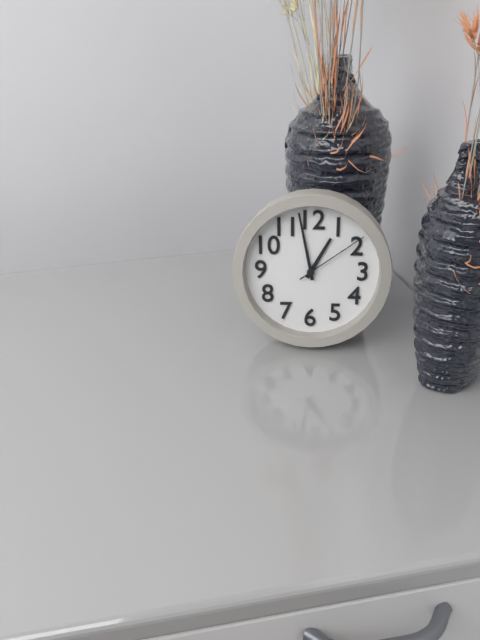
12,58,09
